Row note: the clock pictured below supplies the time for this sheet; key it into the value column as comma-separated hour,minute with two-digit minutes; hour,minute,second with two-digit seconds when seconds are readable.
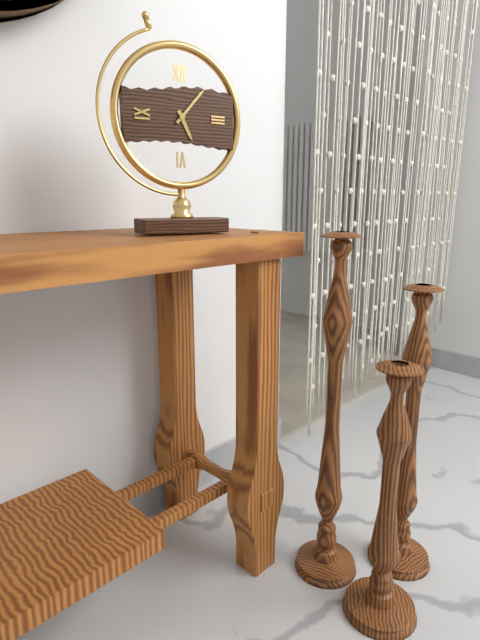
5,07
